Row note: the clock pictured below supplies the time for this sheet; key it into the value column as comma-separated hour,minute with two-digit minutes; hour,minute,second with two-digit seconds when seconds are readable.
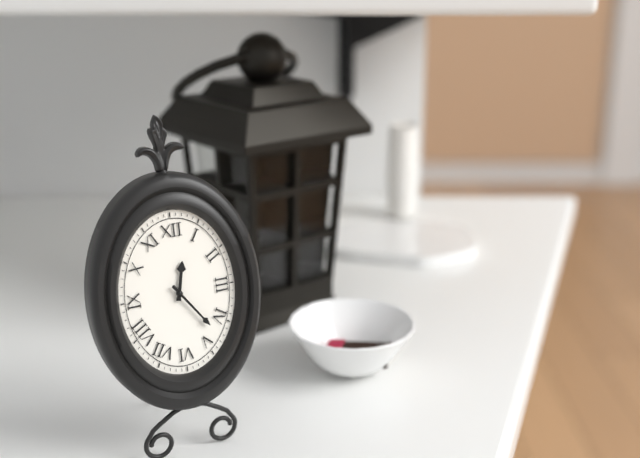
12,24
